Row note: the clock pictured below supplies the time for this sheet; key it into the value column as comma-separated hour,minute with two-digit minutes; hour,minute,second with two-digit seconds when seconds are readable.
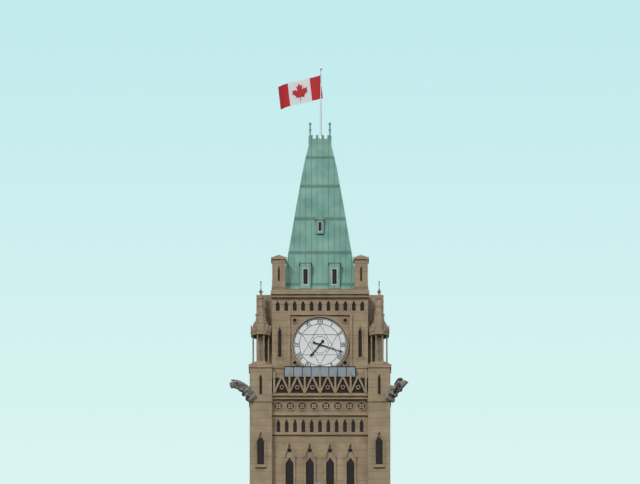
7,18
